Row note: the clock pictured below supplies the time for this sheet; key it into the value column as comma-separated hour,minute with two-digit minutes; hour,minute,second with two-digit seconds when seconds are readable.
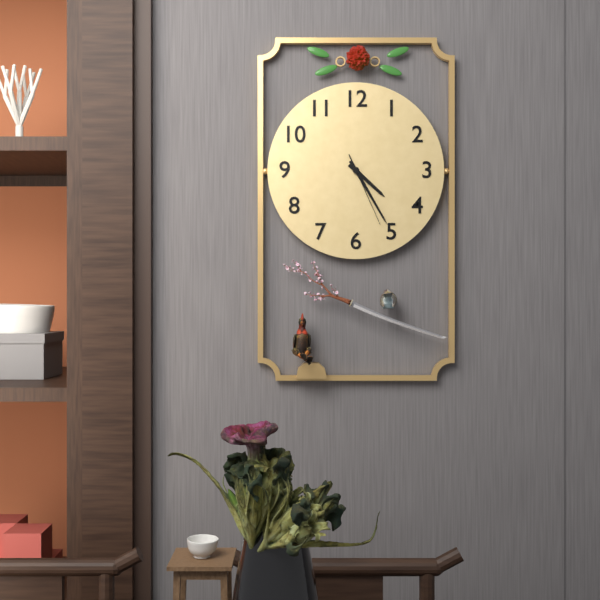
4,25,26
